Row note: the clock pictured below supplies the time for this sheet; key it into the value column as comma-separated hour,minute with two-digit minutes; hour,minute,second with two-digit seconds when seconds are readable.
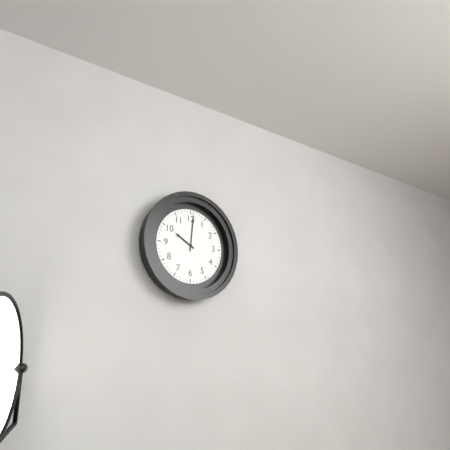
10,01
